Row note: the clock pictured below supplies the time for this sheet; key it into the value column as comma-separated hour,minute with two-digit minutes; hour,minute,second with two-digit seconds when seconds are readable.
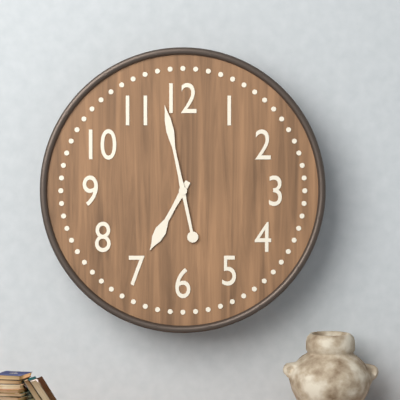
6,58
